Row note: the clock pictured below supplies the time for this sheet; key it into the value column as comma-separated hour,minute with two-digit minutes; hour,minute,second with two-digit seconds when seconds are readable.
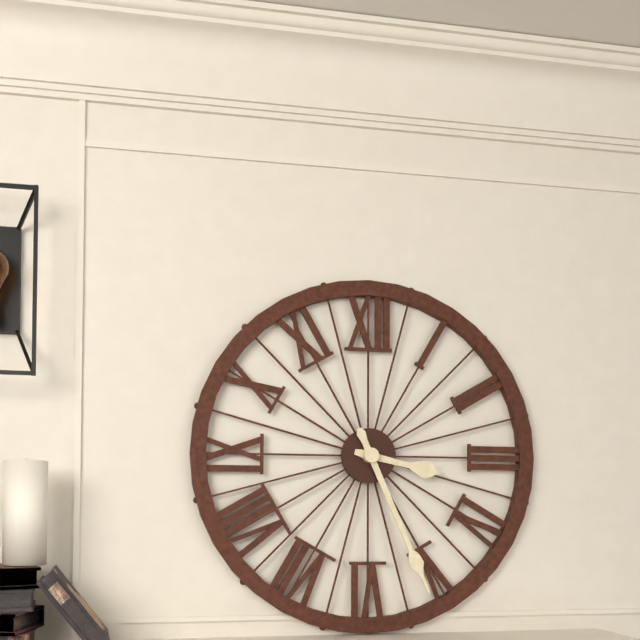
3,26
